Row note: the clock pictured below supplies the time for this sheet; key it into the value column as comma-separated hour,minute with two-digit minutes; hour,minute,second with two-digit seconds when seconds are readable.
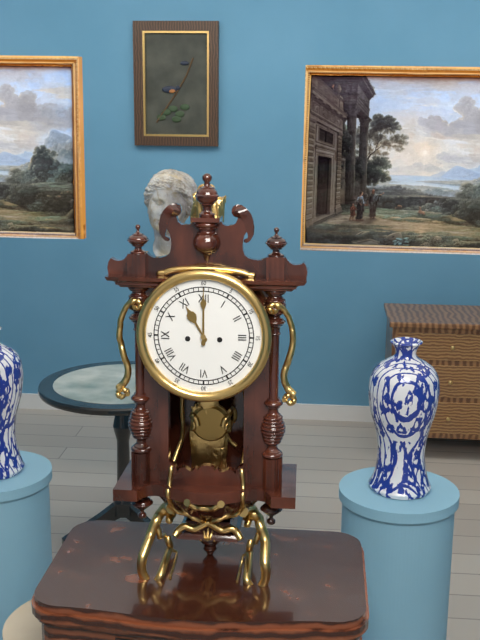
11,00
